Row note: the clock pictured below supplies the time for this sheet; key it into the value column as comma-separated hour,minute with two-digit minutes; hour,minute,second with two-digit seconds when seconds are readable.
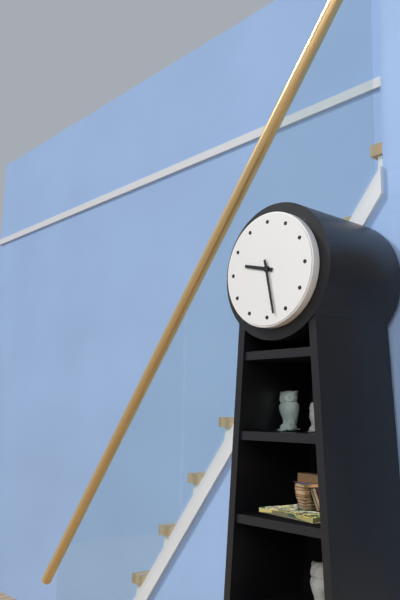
9,28
